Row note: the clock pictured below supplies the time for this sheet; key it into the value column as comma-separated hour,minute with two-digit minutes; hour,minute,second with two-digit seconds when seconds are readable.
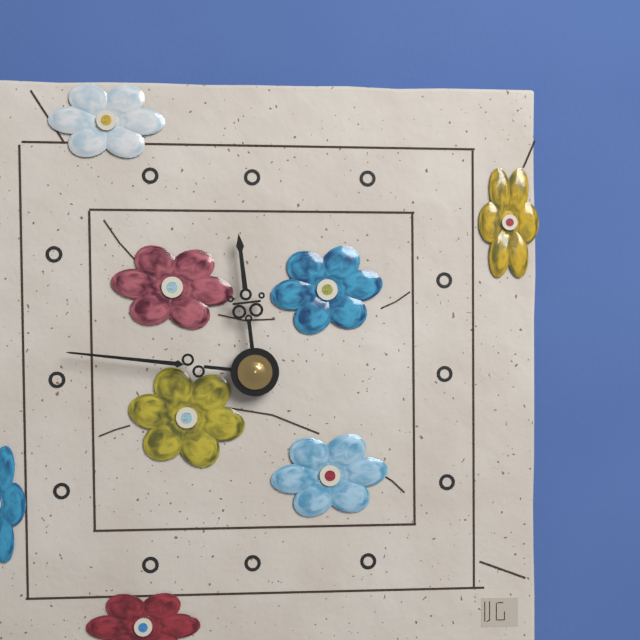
11,46
